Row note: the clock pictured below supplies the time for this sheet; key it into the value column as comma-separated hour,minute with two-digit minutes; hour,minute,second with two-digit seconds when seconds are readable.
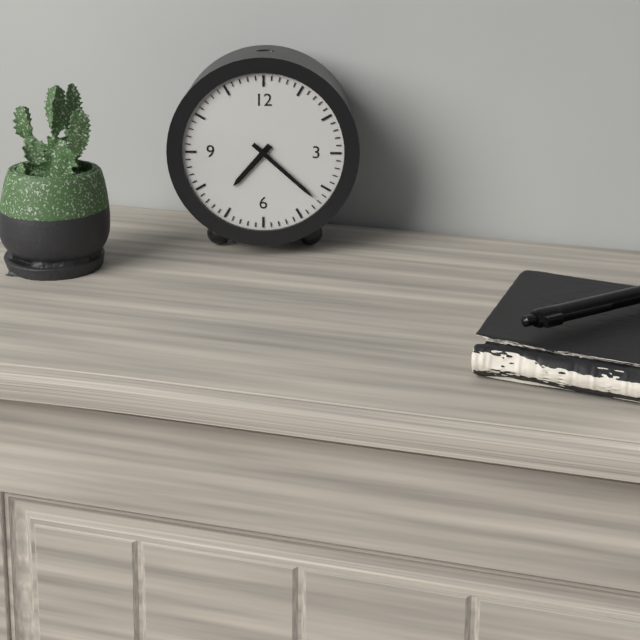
7,22
